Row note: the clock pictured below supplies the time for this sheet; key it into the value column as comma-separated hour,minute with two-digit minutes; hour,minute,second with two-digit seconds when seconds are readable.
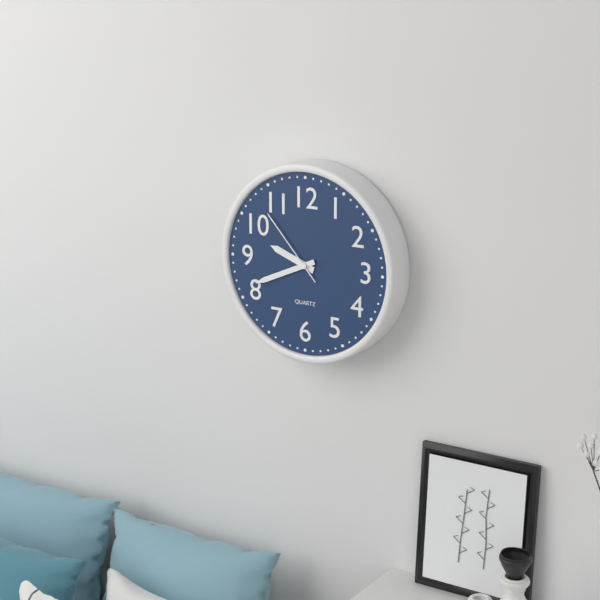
9,41,53
